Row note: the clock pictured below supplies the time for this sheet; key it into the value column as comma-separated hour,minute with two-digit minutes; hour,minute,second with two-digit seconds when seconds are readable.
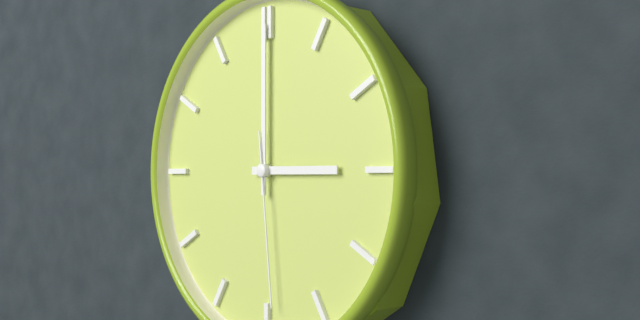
3,00,29
